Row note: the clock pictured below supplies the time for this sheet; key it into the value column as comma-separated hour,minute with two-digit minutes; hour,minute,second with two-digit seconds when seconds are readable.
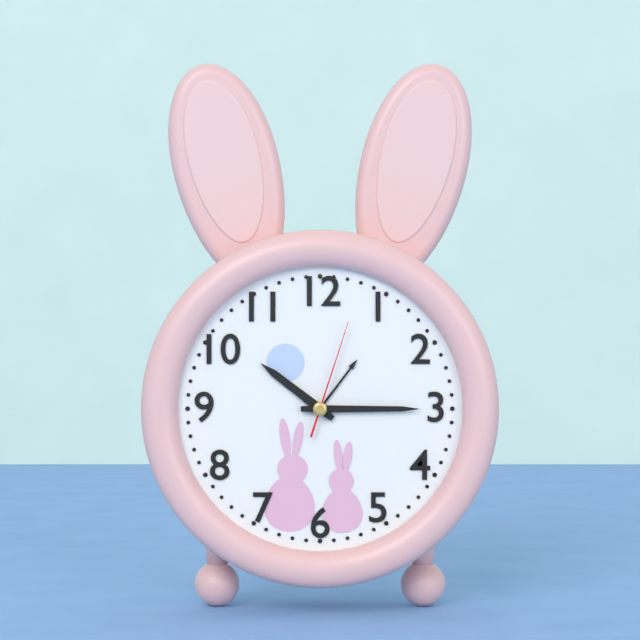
10,15,03
